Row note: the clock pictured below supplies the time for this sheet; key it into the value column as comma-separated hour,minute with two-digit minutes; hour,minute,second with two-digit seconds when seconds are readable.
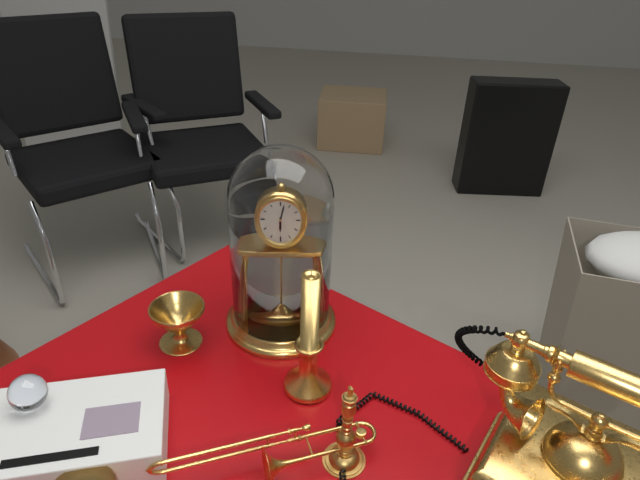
6,02
